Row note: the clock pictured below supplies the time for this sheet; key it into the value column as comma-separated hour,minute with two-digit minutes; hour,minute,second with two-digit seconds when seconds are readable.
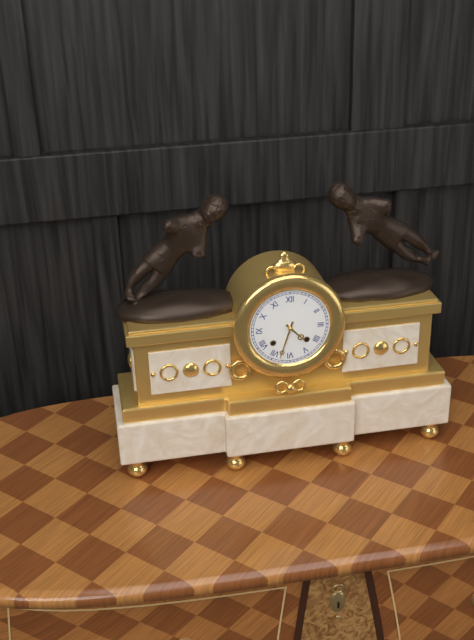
4,33
